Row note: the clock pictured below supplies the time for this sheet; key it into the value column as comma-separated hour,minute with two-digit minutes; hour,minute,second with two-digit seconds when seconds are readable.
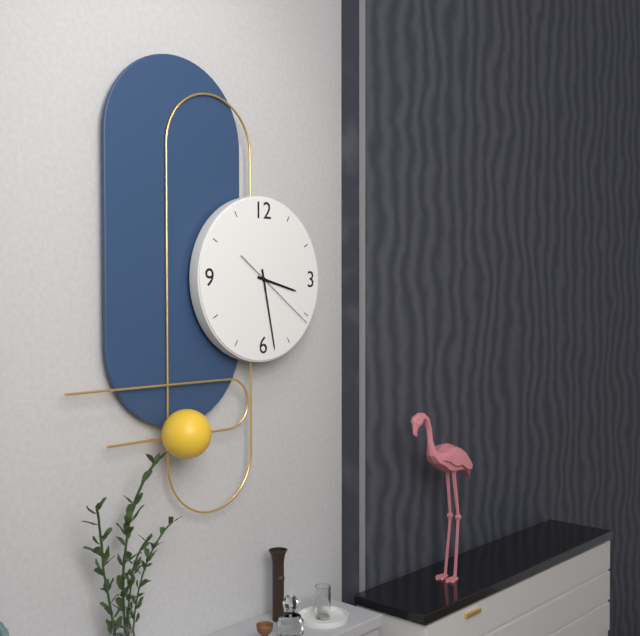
3,28,21
